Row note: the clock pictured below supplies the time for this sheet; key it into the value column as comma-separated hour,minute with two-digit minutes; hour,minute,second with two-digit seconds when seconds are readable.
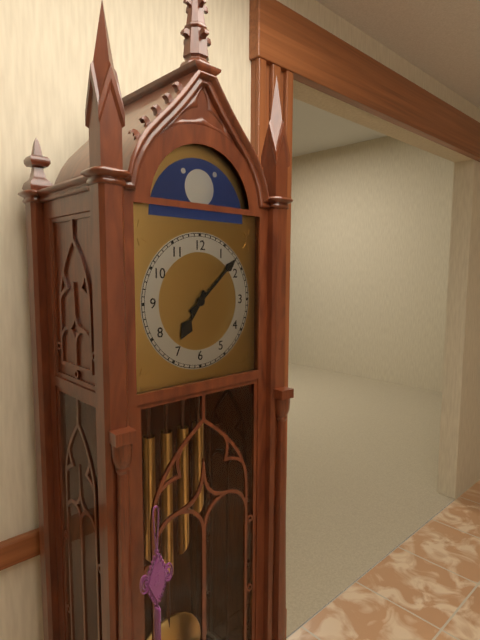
7,08
